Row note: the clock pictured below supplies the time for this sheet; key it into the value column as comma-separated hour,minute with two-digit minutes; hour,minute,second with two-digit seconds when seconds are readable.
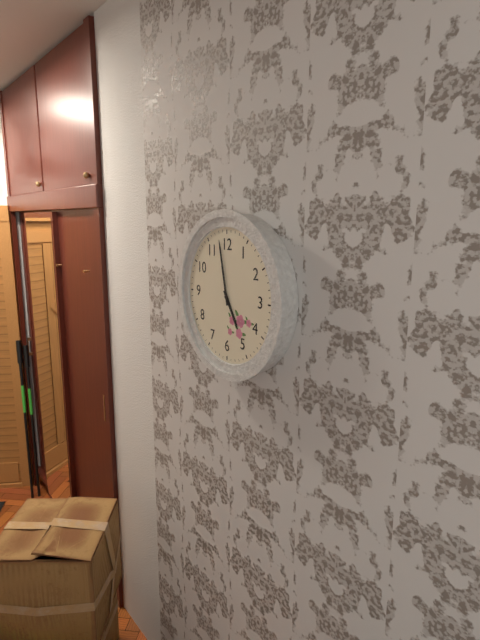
4,58
